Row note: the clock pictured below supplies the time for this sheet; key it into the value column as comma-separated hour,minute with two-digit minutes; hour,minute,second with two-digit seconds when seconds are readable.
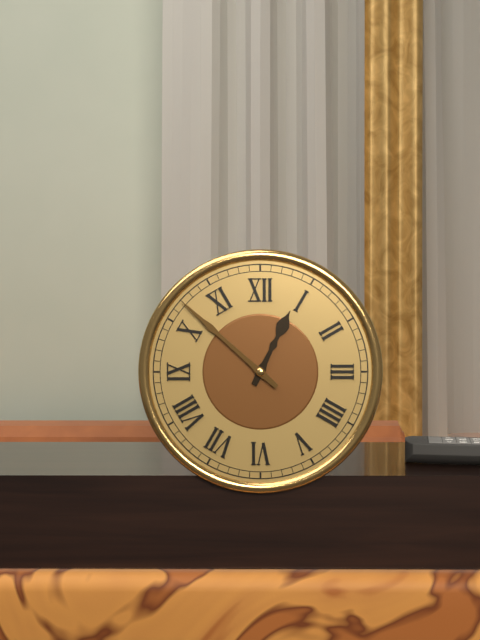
12,52
